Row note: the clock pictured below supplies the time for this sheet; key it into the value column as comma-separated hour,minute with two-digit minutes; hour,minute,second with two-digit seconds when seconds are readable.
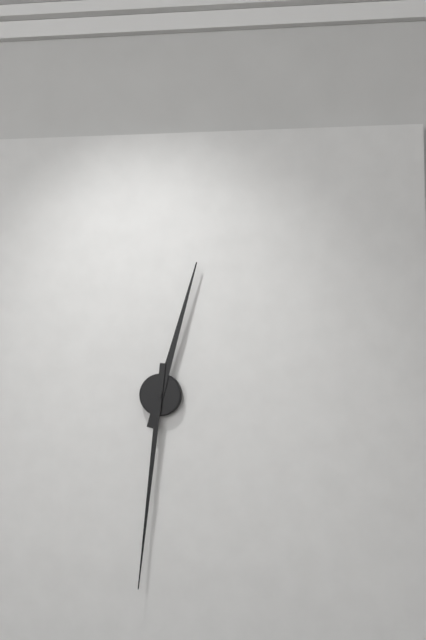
12,31
